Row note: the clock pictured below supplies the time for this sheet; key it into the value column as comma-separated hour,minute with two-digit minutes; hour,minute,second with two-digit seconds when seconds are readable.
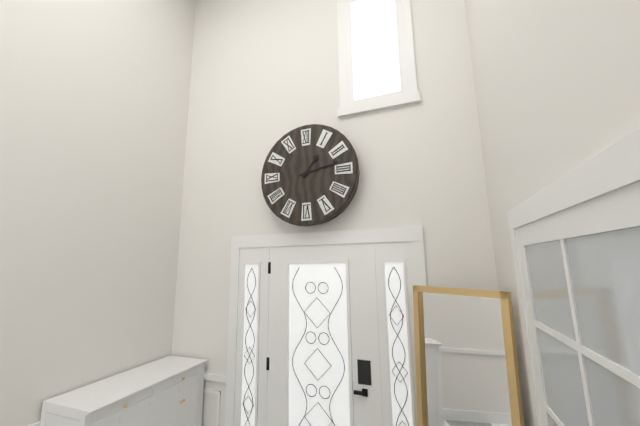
1,13
